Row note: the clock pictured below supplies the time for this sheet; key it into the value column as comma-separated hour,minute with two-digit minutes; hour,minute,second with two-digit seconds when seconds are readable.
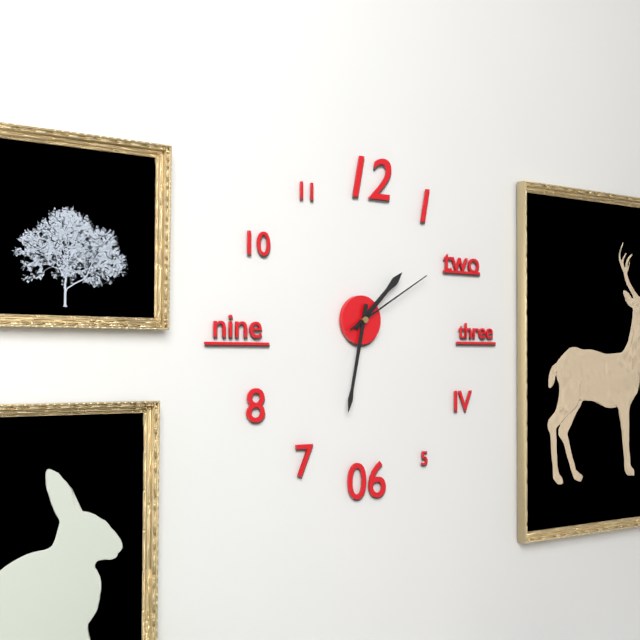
1,32,10
